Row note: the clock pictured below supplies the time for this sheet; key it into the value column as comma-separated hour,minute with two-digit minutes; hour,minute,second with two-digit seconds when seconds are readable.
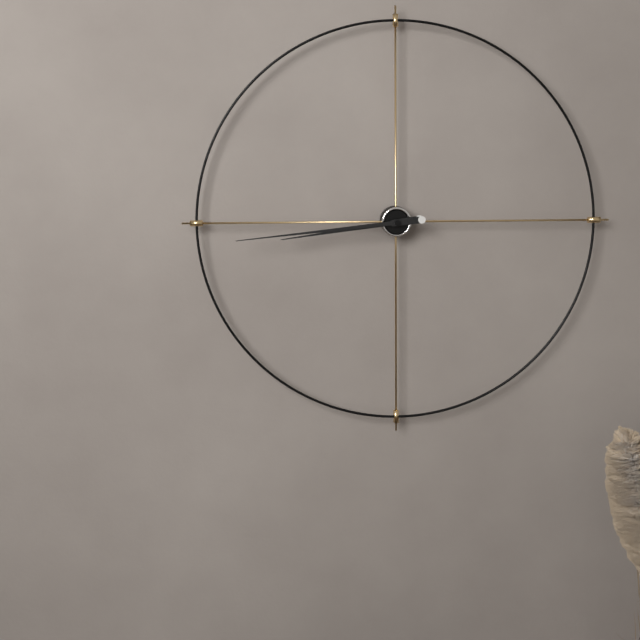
8,44
